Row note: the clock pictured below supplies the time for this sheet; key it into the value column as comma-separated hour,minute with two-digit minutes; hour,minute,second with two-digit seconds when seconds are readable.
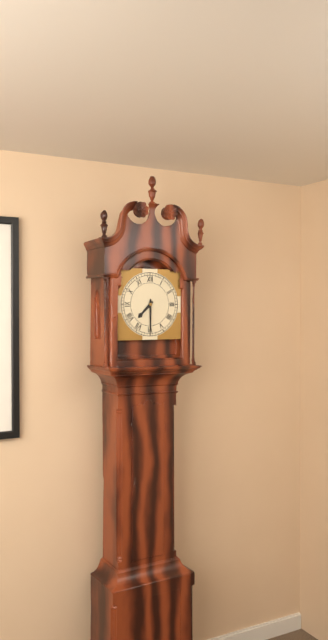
7,30
